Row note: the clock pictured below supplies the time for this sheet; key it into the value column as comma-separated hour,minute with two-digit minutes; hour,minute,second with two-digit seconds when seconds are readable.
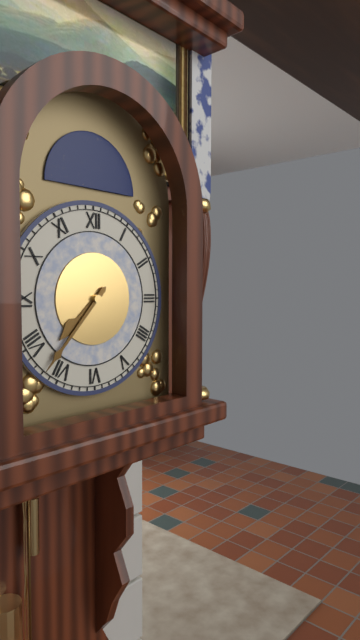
7,37
